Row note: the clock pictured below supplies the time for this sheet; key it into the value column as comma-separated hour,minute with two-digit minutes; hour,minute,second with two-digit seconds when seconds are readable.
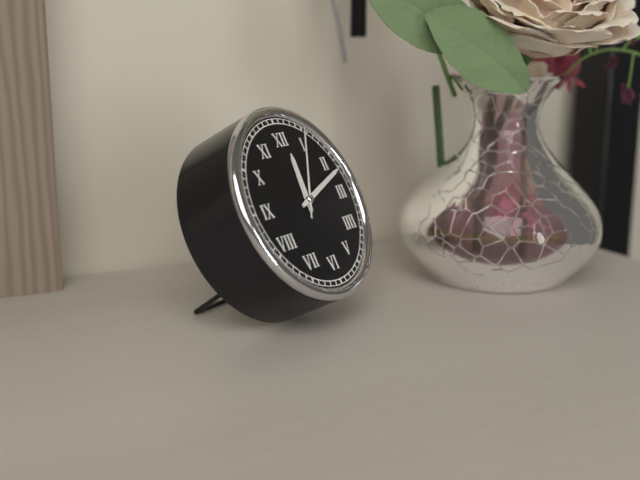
12,12,05
